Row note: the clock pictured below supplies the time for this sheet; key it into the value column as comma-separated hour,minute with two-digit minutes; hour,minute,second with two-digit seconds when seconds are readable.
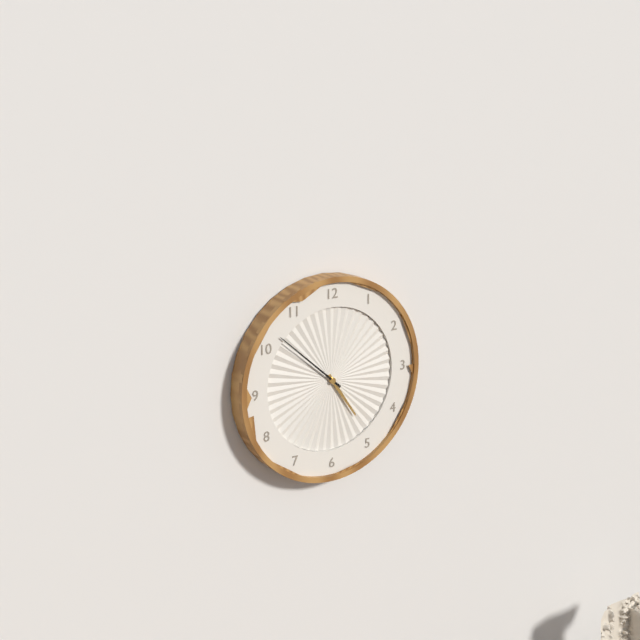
4,52
